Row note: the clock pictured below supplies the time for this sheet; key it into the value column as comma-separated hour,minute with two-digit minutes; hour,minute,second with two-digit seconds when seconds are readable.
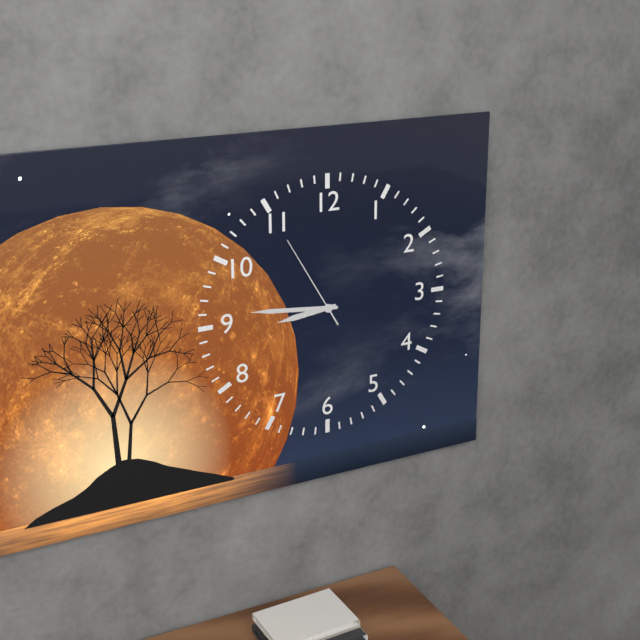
8,46,55
